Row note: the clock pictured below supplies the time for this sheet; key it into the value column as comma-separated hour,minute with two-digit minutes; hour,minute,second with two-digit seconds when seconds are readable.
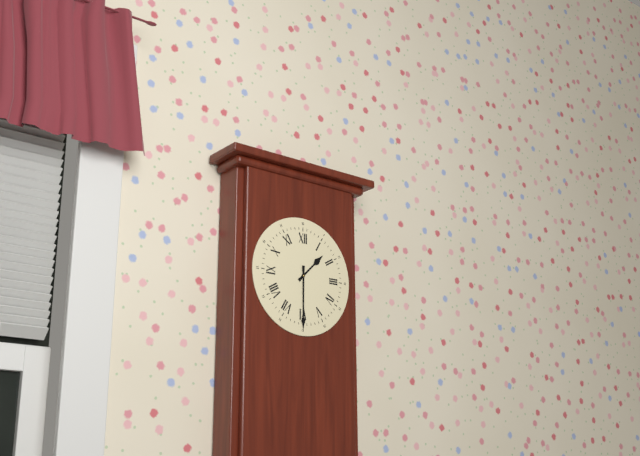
1,30
